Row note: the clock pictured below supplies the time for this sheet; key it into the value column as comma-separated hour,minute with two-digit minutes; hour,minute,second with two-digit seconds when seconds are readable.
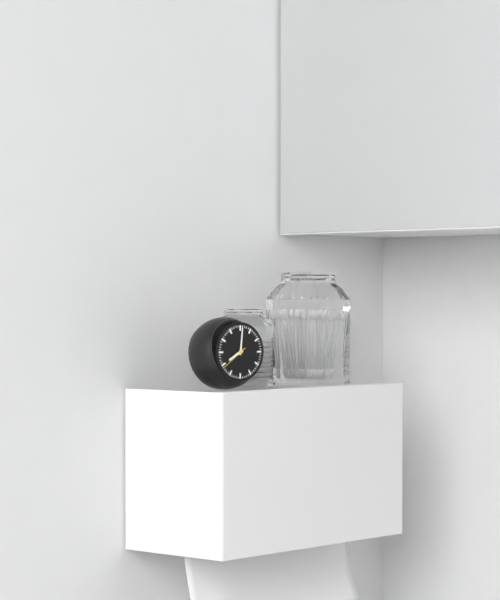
8,01
